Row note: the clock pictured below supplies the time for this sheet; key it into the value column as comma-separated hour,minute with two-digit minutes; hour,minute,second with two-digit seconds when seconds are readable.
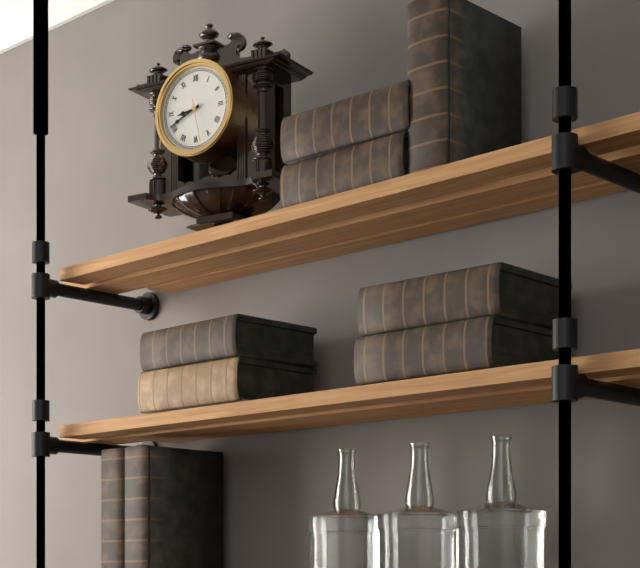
8,41
